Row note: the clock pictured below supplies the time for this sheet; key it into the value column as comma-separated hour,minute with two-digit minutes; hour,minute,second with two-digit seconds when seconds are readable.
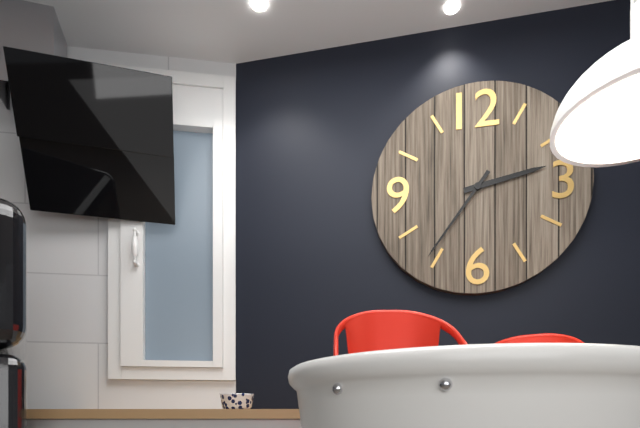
2,36
